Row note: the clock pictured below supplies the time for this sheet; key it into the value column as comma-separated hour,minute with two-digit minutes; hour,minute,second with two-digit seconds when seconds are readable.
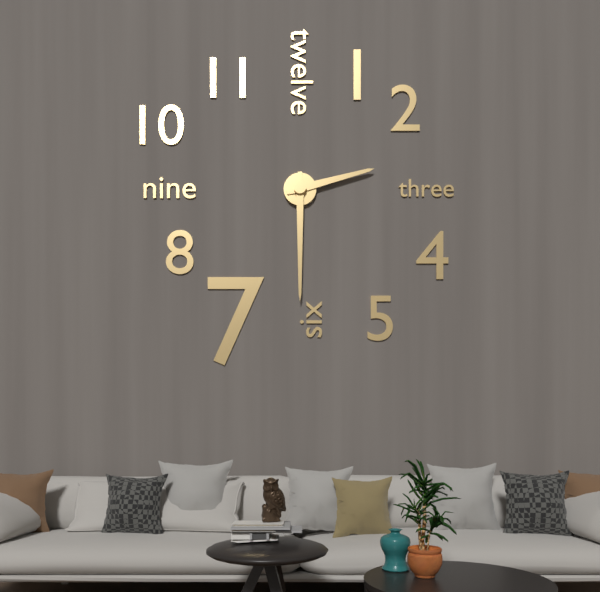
2,30
